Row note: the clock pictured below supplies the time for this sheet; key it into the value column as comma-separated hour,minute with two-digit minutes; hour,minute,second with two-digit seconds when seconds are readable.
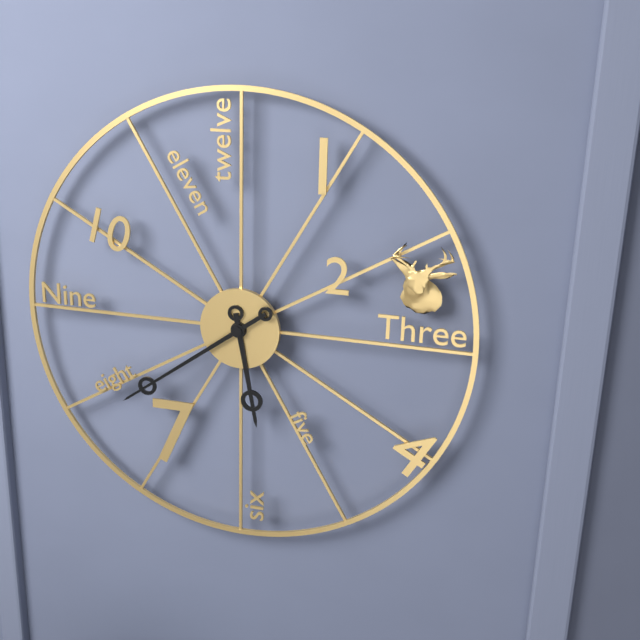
5,39
